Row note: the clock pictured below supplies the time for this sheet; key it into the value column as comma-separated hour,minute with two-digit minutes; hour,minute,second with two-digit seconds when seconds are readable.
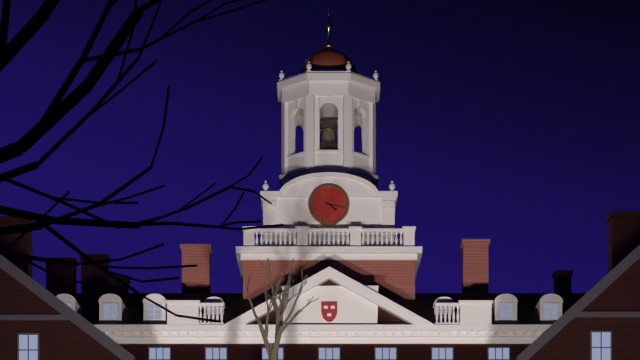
4,17
